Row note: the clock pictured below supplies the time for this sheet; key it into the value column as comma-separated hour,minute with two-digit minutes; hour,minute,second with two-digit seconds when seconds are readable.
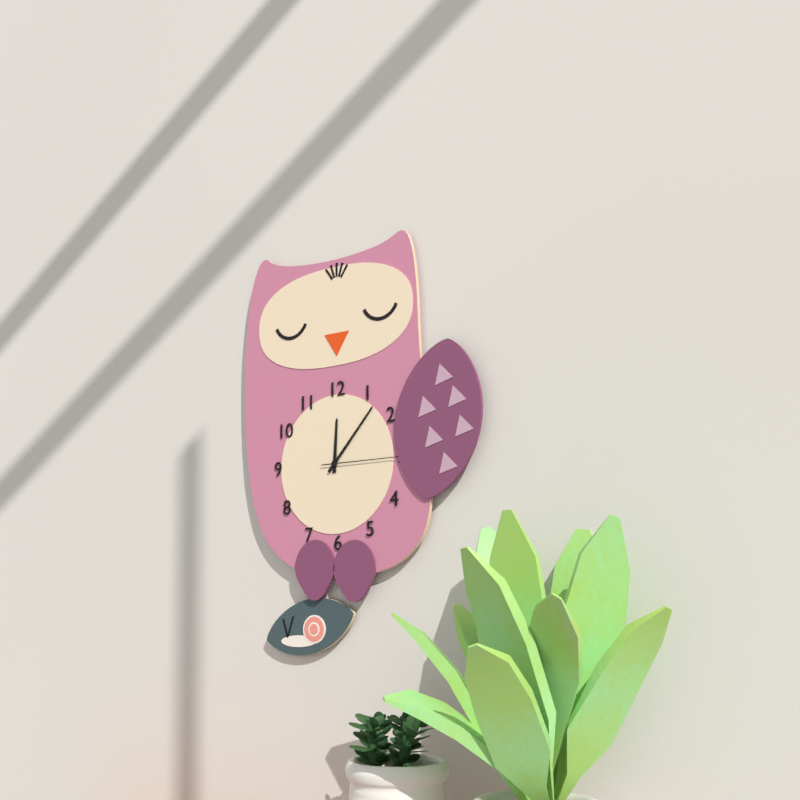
12,07,15
